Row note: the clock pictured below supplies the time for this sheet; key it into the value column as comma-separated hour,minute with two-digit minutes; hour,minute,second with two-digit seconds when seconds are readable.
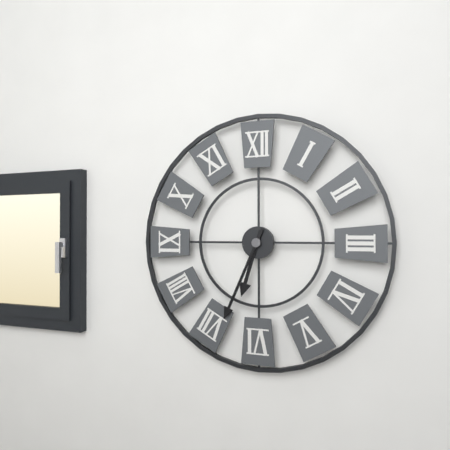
6,34
